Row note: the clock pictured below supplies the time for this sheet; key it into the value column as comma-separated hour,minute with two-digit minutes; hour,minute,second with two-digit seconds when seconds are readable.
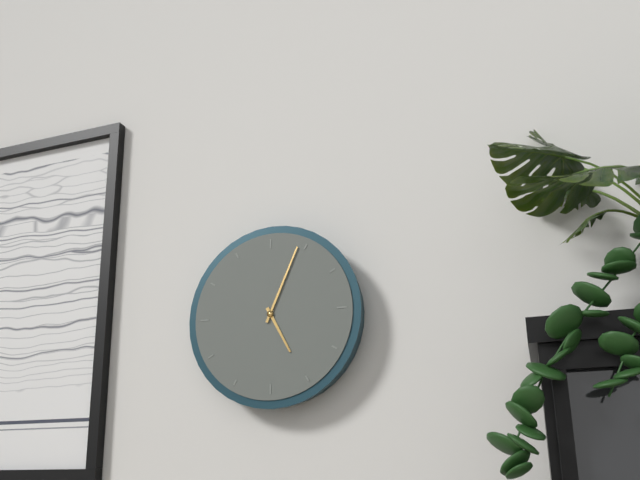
5,04
